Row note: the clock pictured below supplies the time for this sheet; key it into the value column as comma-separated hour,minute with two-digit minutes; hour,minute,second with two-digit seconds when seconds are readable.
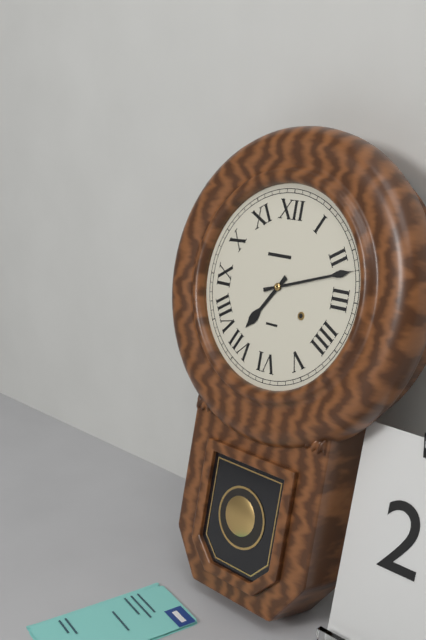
7,12
